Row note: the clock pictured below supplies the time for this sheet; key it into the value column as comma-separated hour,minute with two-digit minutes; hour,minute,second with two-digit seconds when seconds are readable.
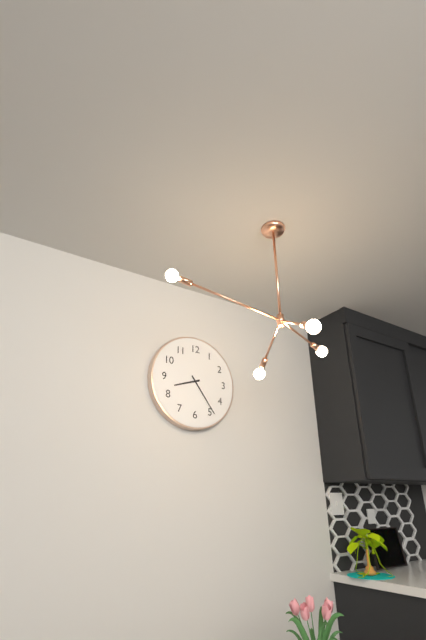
8,24
